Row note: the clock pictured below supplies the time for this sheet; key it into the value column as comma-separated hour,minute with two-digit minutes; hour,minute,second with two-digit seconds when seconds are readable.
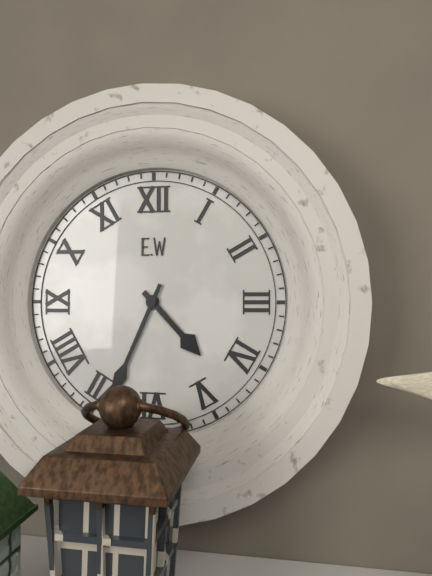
4,34
